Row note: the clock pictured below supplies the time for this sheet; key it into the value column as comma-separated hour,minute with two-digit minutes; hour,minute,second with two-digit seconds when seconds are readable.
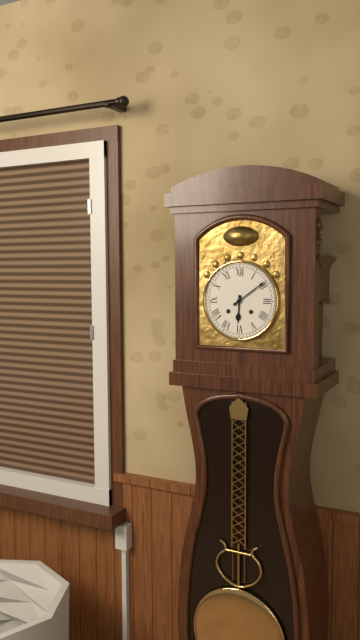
6,09
